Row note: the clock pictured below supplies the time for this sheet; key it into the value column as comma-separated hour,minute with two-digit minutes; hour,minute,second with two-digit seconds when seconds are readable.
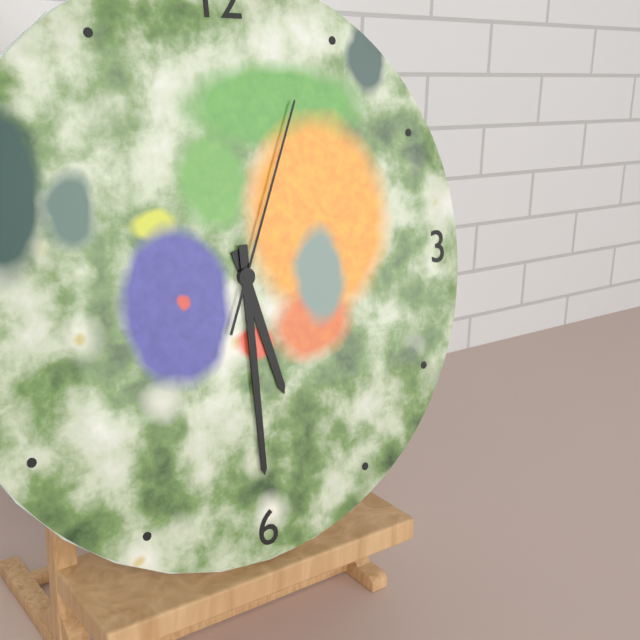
5,30,04
